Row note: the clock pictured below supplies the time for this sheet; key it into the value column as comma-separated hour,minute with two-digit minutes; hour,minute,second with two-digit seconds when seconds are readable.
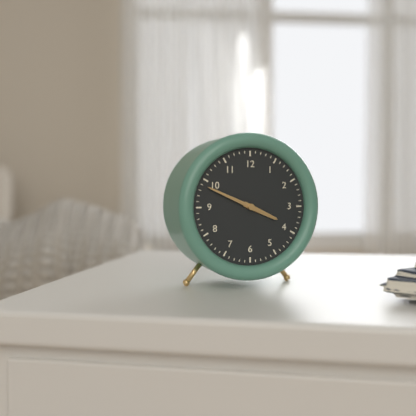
3,49
